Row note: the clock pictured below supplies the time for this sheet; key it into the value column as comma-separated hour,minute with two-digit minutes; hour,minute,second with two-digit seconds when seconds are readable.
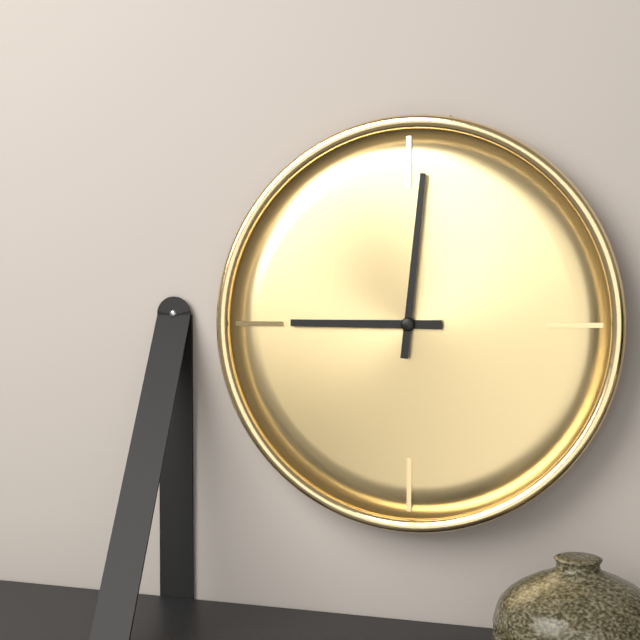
9,01
